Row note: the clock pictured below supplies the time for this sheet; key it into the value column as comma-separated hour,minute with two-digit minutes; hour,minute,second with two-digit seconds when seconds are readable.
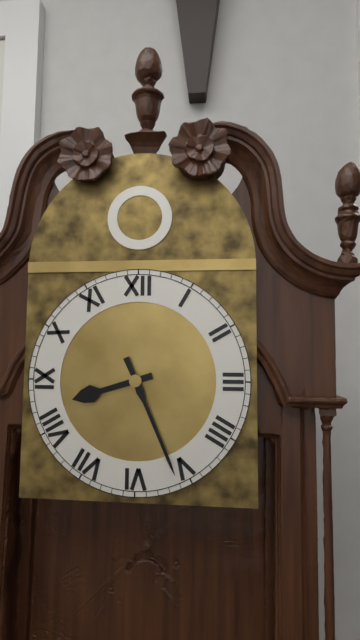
8,26
